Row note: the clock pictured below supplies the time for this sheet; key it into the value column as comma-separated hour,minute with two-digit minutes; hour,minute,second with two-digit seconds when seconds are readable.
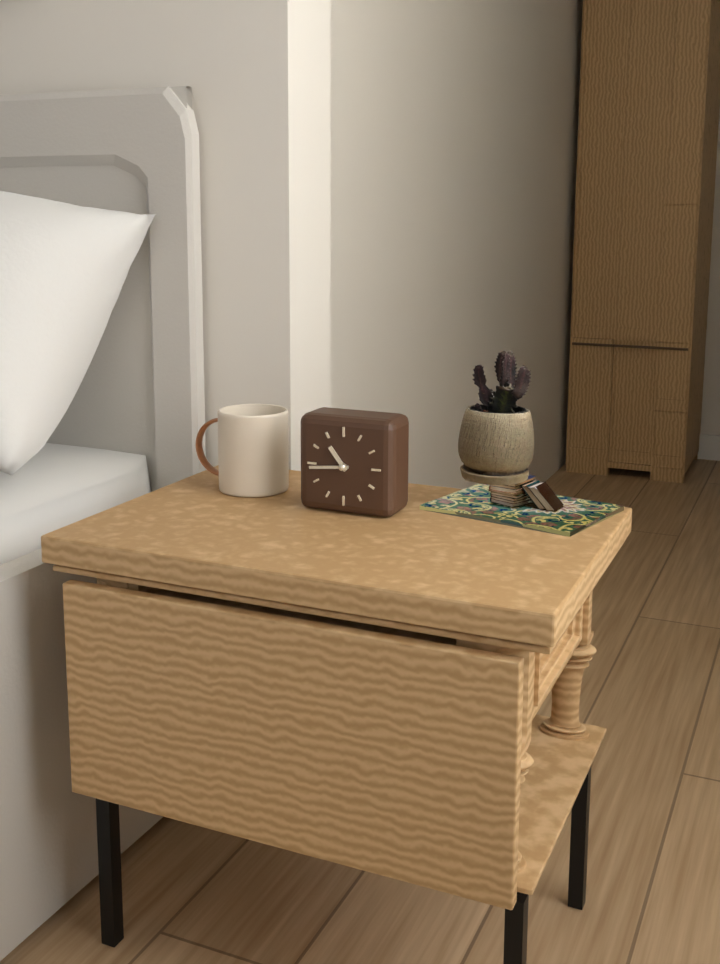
10,44
